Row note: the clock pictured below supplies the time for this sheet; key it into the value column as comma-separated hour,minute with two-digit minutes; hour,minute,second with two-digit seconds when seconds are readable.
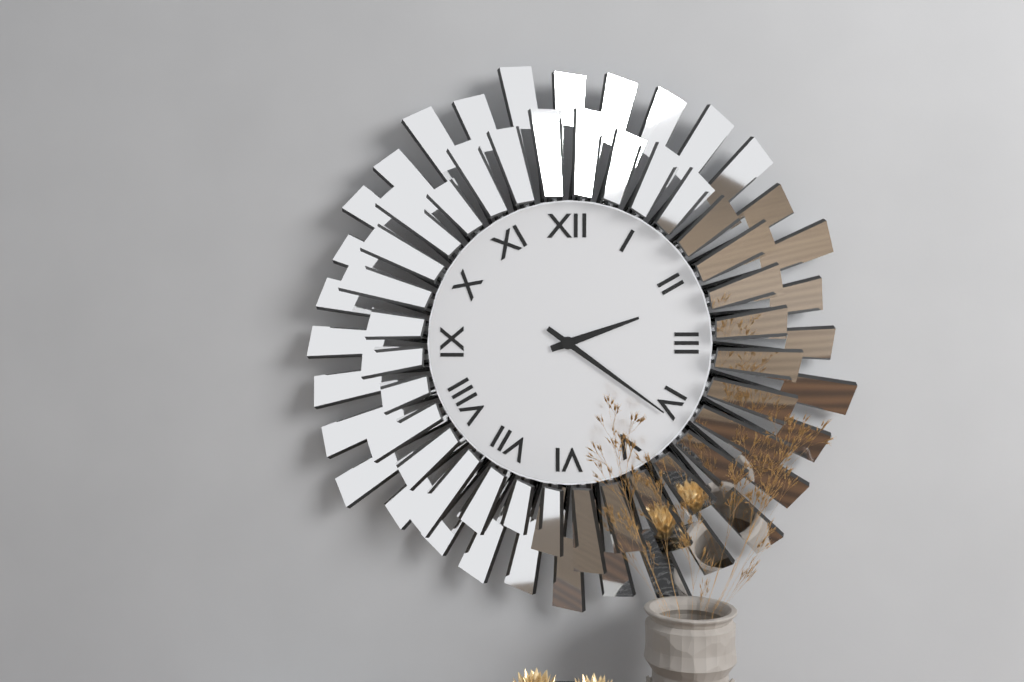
2,21
